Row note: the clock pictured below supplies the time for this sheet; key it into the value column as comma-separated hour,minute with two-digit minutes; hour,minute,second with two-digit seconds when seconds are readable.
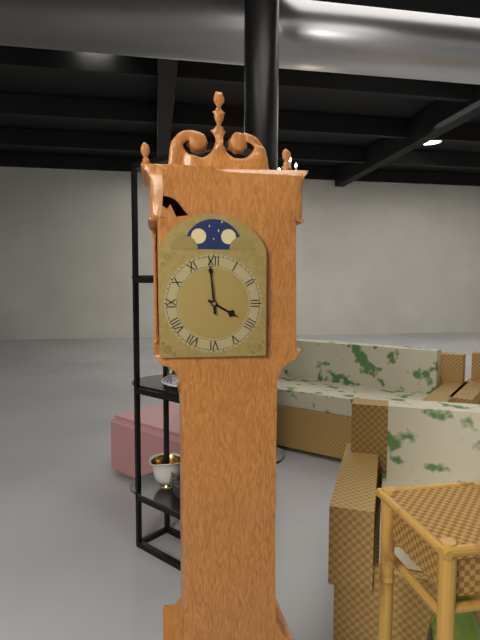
3,59
